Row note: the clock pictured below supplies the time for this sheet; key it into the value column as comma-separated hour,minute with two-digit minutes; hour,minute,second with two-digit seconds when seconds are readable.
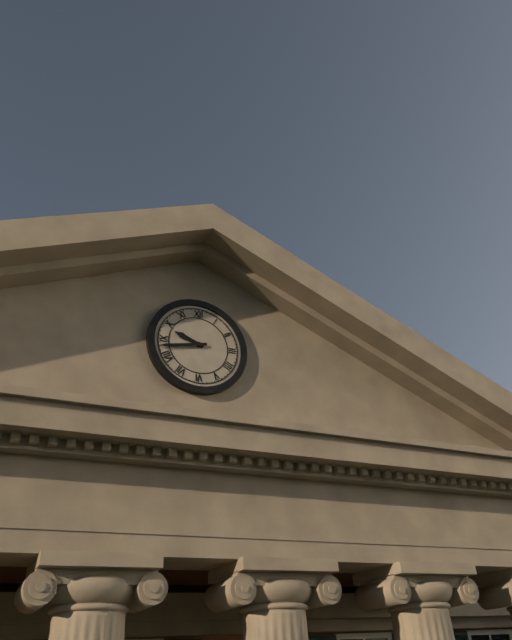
9,43
